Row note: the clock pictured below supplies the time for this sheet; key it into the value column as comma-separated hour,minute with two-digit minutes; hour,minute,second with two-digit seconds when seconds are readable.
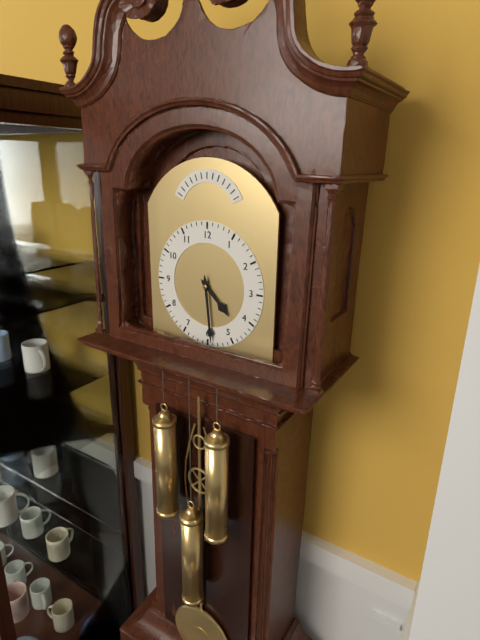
4,29
